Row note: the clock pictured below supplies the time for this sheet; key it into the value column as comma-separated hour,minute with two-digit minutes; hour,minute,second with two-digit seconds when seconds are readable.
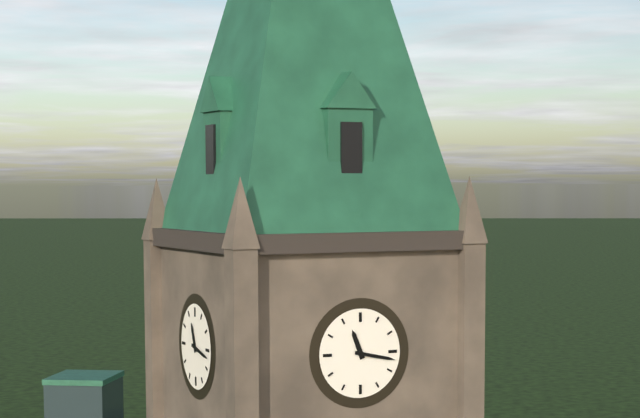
11,17
